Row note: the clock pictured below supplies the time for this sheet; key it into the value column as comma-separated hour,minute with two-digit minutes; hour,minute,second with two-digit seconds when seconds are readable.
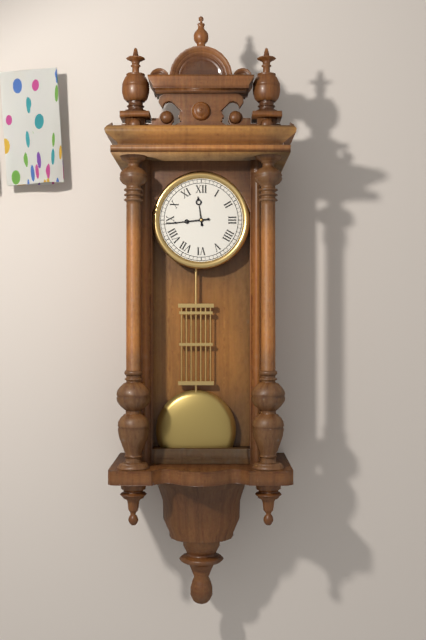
11,44
